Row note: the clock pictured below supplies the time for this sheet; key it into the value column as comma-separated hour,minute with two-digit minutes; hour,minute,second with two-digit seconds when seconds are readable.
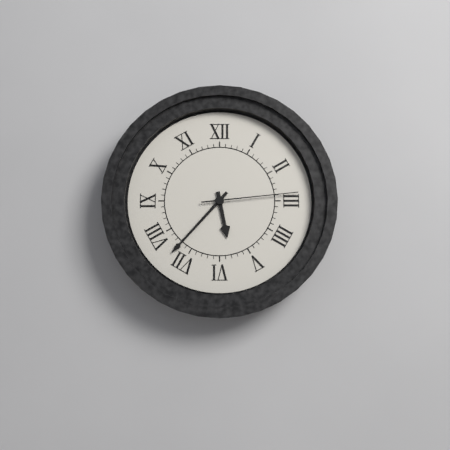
5,37,14
